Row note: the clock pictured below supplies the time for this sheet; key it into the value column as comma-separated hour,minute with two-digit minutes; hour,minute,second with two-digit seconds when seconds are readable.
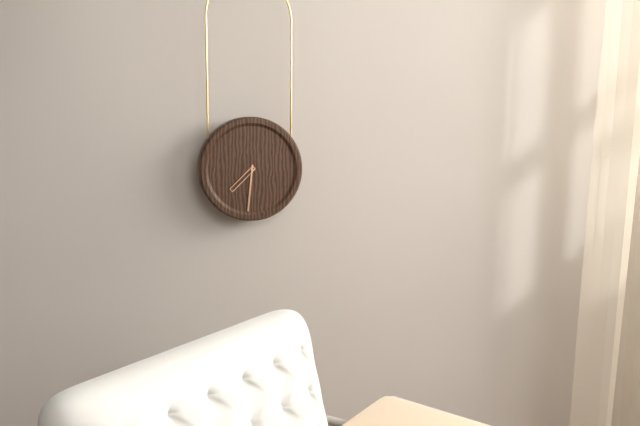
7,31
